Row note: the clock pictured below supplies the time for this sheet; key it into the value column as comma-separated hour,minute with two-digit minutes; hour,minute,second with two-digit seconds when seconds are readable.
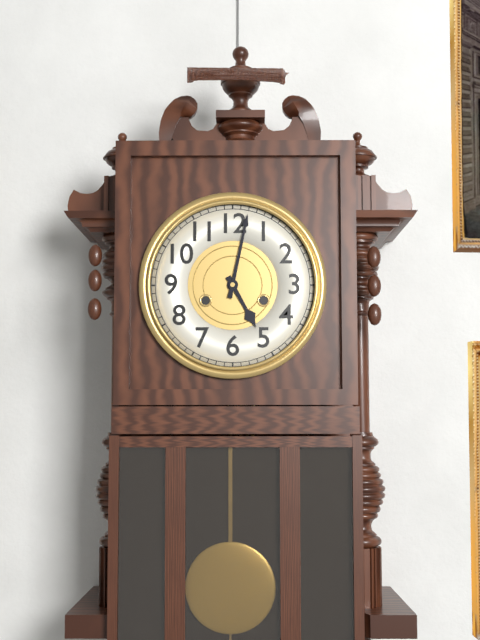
5,02
